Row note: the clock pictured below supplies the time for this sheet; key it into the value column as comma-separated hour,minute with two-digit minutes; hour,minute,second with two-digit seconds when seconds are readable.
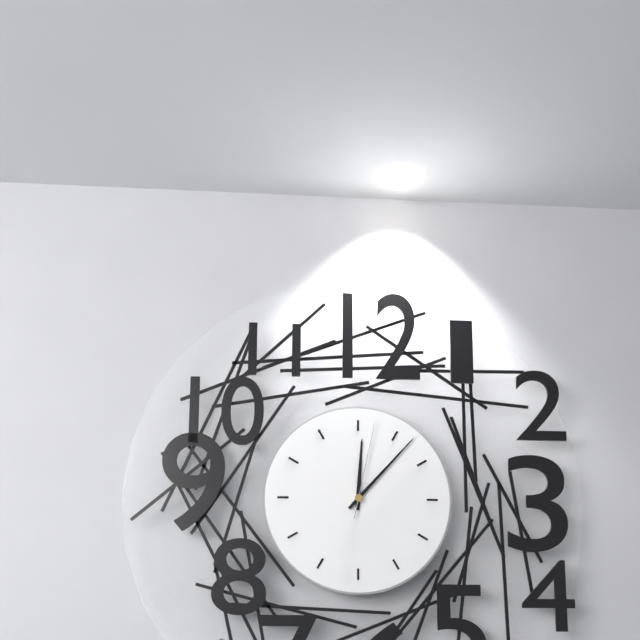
12,07,02
